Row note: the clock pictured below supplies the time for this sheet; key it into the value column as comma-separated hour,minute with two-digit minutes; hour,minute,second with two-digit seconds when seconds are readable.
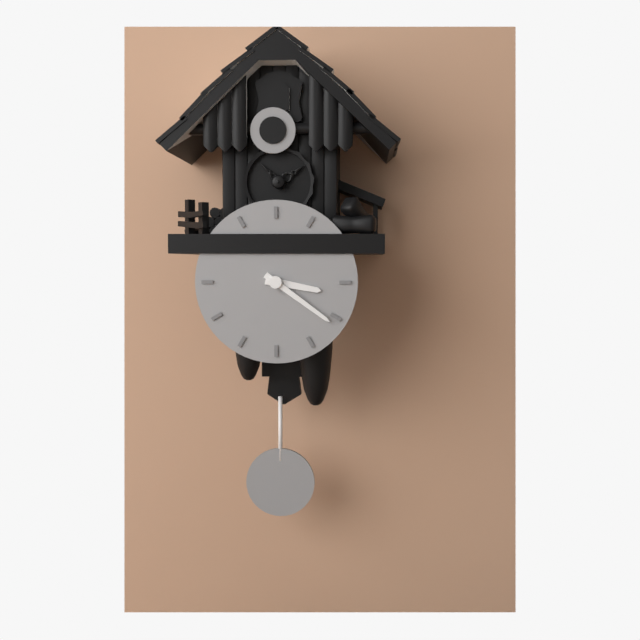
3,21
